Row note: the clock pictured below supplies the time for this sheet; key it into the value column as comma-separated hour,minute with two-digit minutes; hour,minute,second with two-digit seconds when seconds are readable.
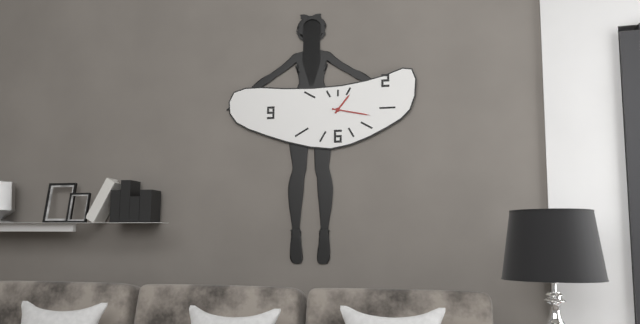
1,17
